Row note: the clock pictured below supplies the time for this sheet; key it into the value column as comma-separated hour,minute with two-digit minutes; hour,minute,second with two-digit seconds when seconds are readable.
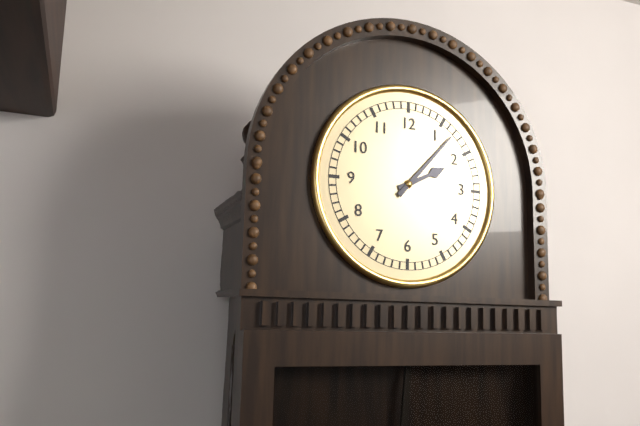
2,07
